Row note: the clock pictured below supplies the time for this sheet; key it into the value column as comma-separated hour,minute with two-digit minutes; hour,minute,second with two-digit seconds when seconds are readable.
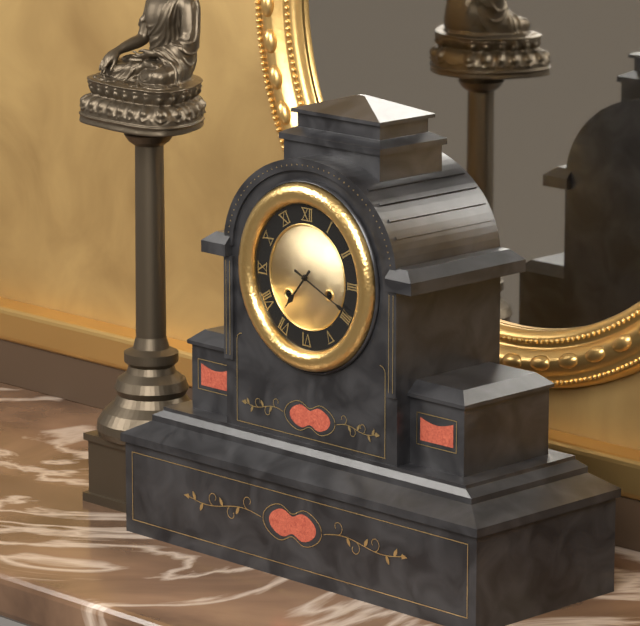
7,19
